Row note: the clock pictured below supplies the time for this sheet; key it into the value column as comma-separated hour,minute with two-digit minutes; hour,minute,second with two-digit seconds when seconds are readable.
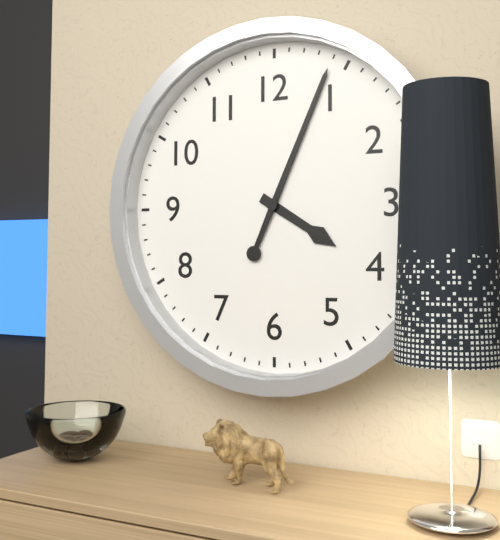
4,04
